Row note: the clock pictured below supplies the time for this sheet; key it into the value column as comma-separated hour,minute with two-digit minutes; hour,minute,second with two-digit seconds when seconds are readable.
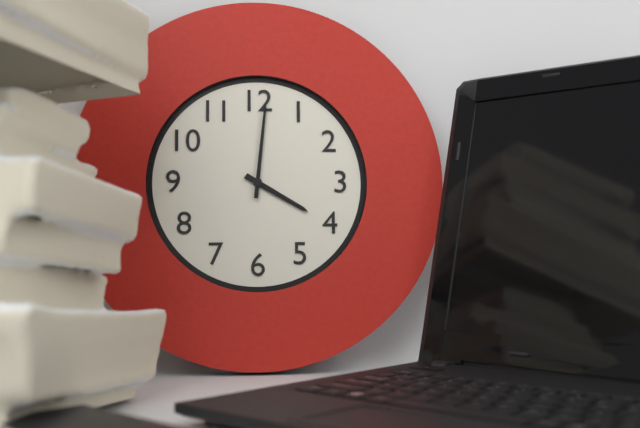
4,01
